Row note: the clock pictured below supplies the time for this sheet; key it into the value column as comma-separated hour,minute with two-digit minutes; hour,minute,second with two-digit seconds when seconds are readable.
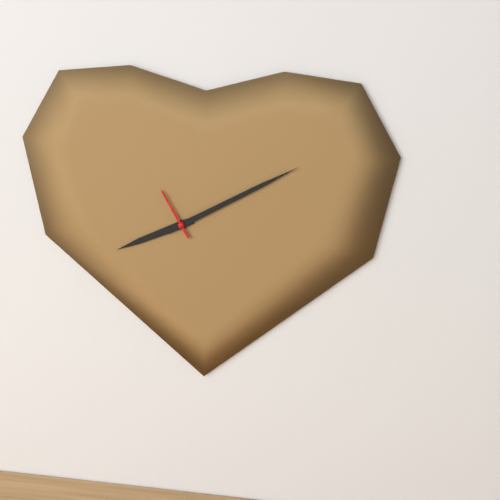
8,10,55
